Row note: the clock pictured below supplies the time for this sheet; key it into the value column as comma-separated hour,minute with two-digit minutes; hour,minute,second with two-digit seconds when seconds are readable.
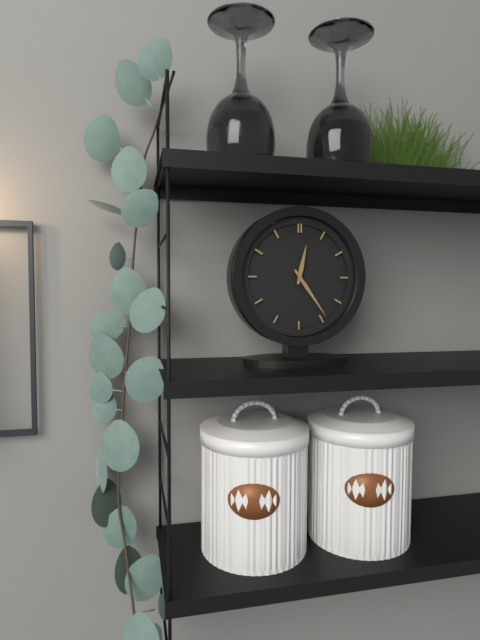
12,24
